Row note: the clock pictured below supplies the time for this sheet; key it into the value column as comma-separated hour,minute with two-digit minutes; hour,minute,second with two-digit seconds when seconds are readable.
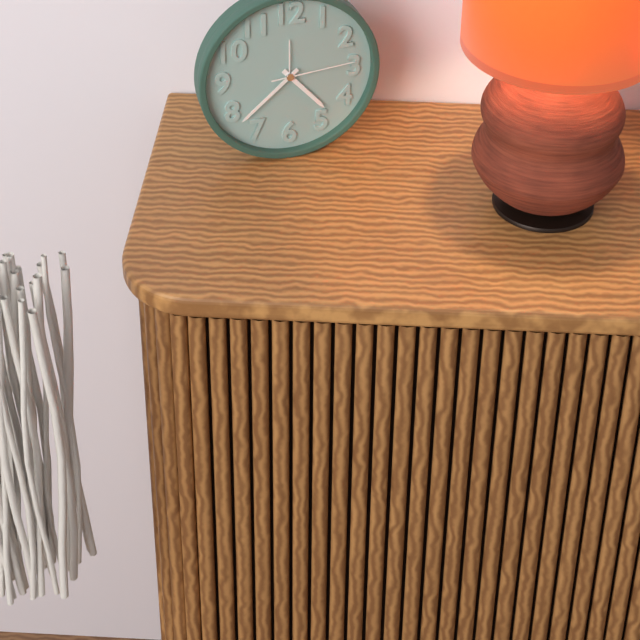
4,38,14
